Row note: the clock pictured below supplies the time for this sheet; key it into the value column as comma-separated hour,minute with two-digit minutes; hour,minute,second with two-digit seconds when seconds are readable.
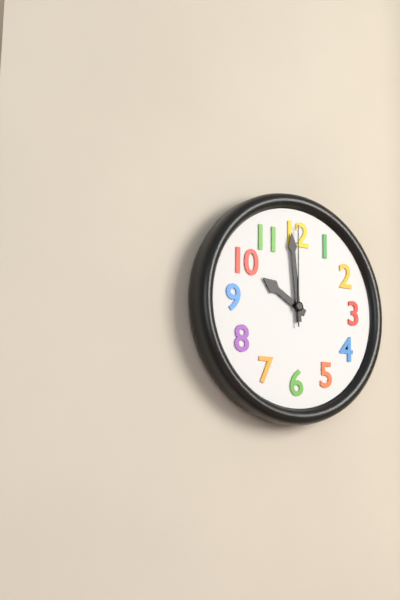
9,59,00
